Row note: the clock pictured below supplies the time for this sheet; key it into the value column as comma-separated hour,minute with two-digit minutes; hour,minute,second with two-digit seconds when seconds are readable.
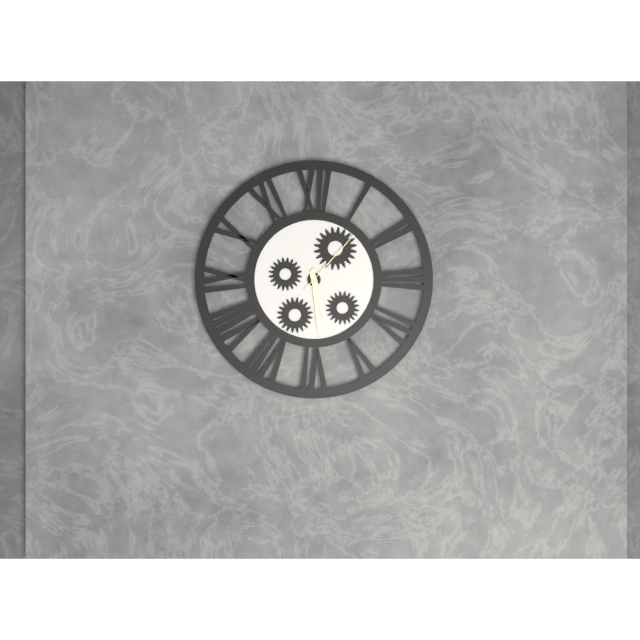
5,29,07
